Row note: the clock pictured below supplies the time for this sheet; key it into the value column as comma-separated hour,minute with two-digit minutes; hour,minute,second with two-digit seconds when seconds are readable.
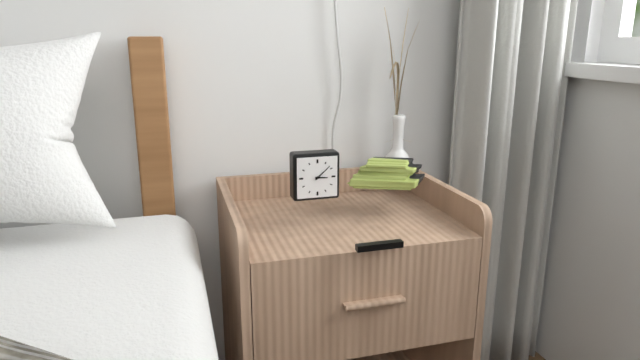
3,08
